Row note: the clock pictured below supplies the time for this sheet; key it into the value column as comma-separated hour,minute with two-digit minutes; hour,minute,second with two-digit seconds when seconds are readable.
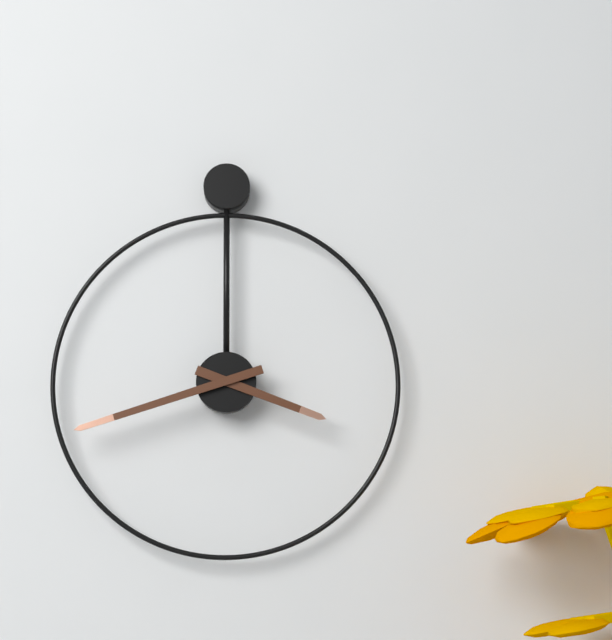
3,42
